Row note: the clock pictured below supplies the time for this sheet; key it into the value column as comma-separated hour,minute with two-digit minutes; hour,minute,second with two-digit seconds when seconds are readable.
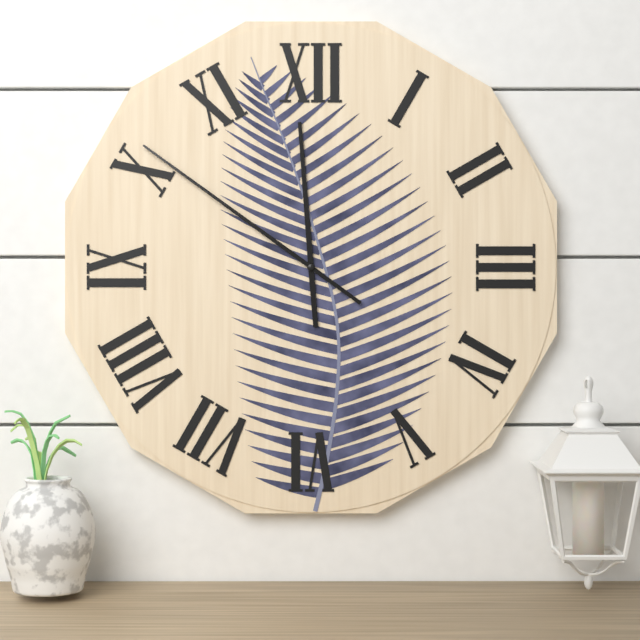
11,51
